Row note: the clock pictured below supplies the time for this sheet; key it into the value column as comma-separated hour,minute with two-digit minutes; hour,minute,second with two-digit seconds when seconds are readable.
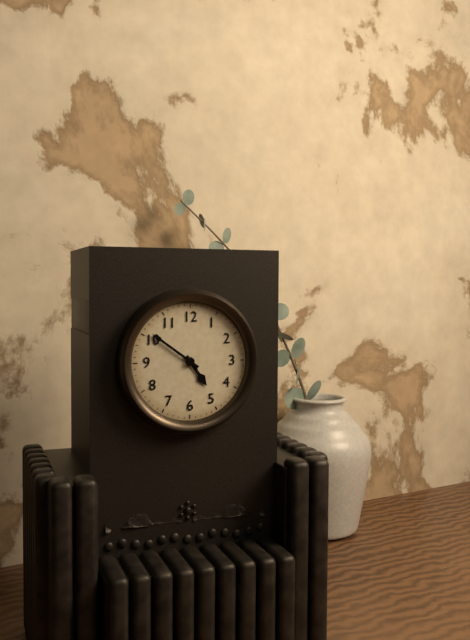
4,51
